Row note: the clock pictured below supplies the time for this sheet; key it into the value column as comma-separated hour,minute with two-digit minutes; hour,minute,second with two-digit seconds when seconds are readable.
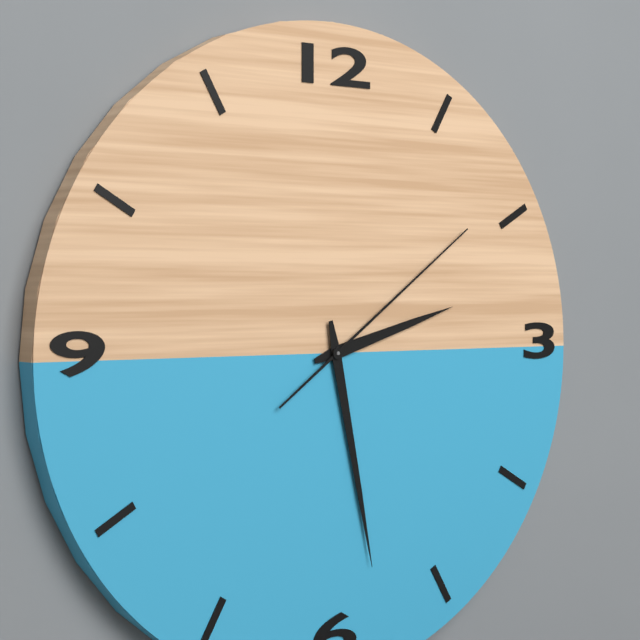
2,28,09
